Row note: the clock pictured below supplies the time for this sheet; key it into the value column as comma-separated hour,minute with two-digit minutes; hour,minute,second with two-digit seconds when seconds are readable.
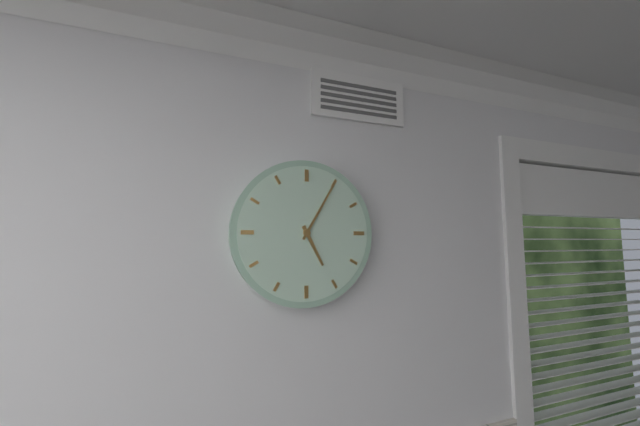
5,05
